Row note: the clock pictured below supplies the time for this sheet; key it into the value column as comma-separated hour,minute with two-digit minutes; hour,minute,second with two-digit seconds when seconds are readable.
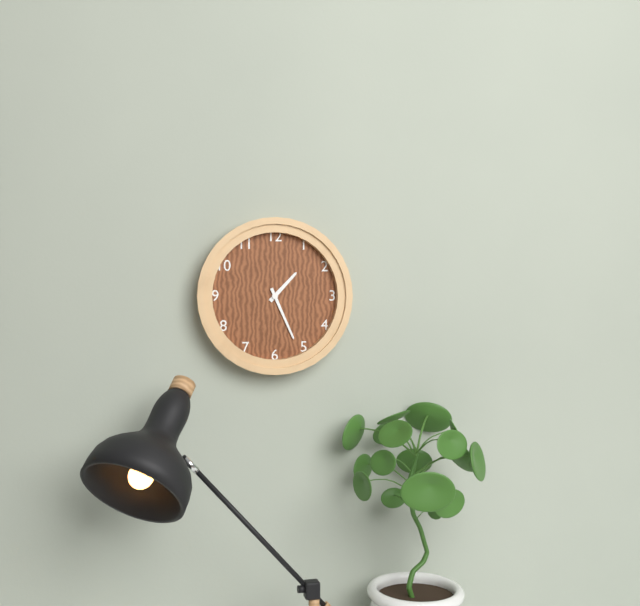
1,26
